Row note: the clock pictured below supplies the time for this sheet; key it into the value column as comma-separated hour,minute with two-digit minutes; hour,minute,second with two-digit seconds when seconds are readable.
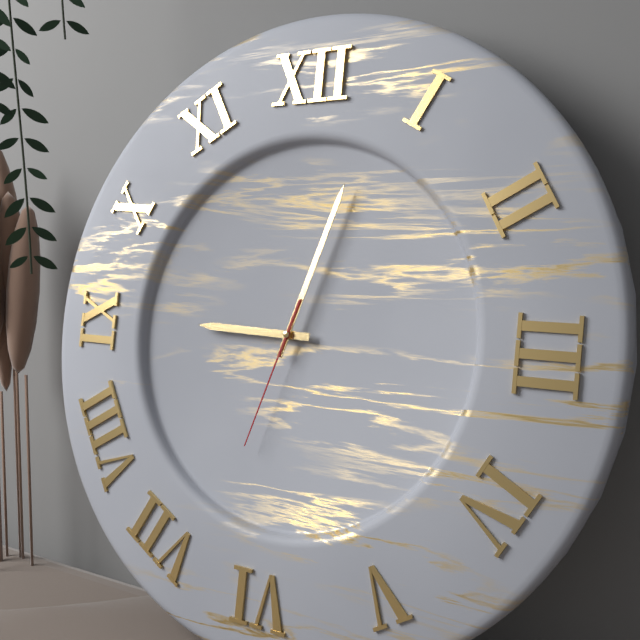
9,03,33
